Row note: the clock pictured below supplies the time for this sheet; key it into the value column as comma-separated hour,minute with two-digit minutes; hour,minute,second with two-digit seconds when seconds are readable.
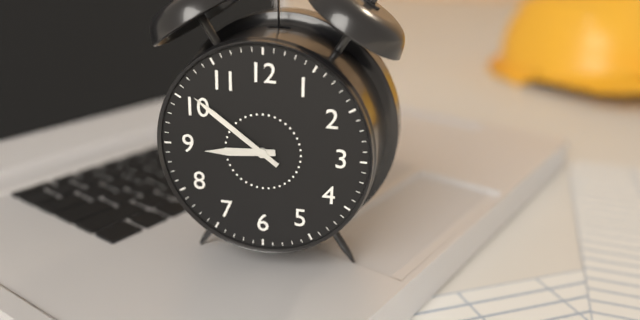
8,51
